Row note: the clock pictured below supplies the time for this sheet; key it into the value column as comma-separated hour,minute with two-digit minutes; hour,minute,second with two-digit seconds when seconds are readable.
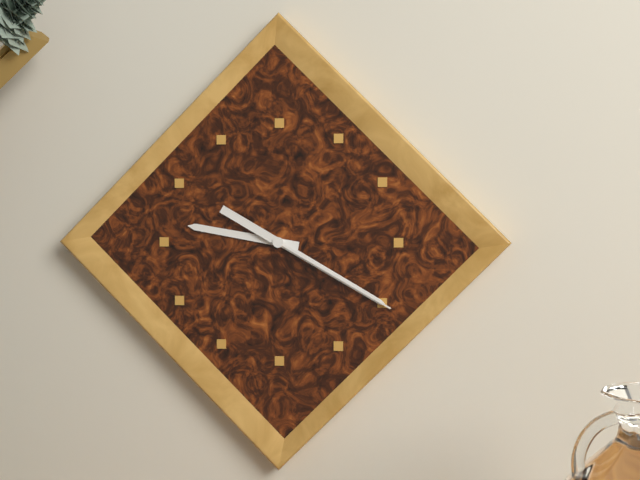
9,20,20
